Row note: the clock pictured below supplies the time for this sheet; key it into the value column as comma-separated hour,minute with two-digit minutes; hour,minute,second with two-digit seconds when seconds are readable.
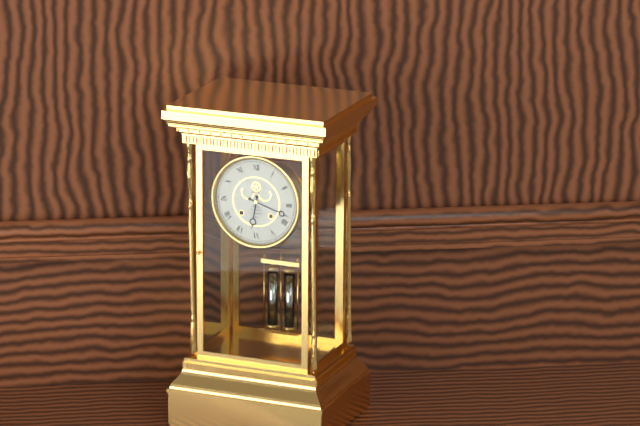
6,18
